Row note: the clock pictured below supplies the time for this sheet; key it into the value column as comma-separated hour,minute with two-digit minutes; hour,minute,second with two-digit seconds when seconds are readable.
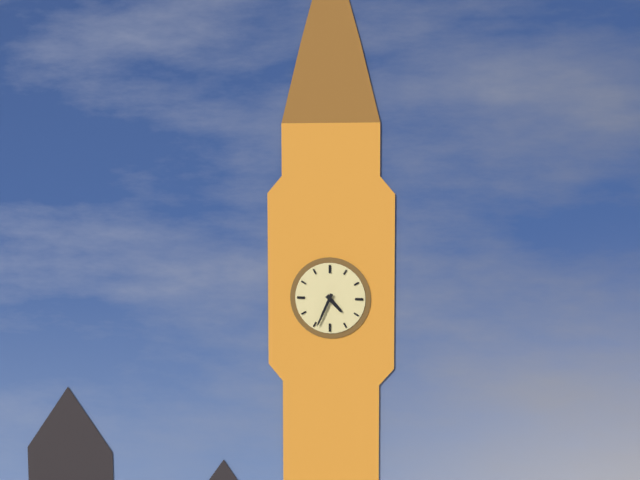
4,34
